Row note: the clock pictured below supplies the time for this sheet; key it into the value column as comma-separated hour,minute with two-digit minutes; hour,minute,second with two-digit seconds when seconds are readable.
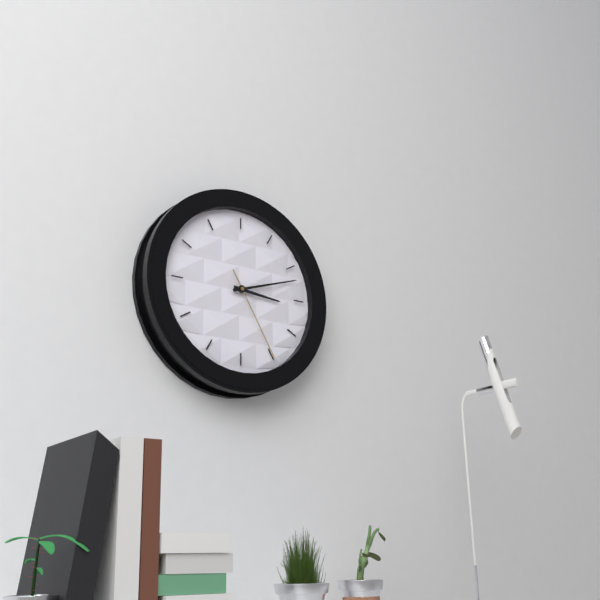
3,12,25
